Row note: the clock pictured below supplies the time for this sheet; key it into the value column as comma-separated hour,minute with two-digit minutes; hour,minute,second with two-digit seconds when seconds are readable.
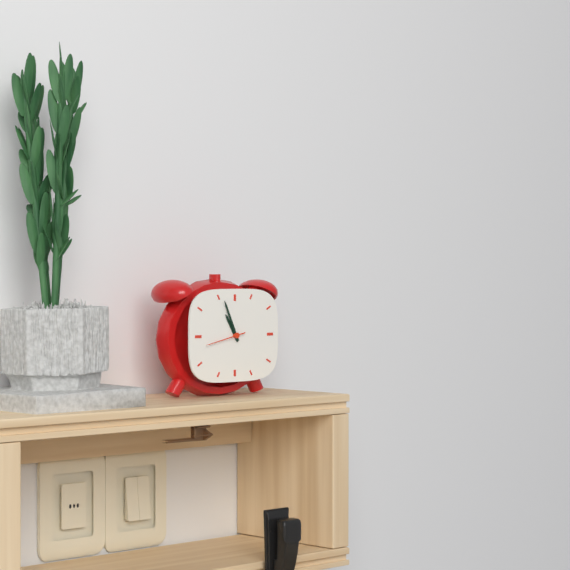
10,56
